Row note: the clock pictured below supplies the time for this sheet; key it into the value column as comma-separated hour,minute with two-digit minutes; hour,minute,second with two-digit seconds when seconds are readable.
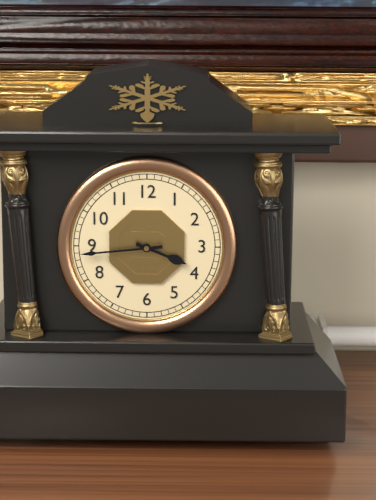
3,44
